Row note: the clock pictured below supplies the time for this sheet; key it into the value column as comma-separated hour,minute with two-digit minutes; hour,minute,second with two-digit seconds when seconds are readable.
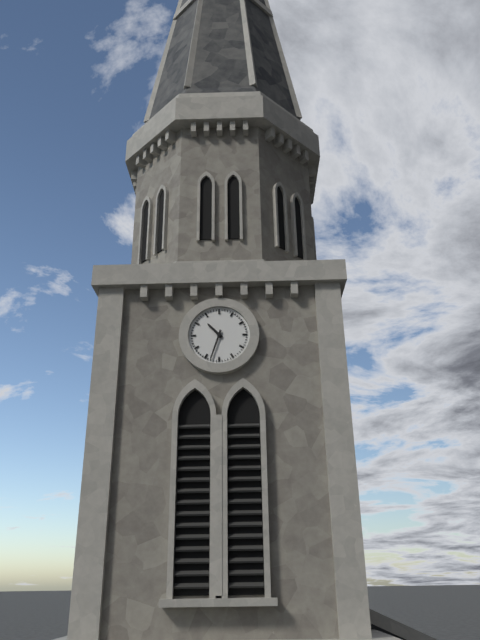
10,33
